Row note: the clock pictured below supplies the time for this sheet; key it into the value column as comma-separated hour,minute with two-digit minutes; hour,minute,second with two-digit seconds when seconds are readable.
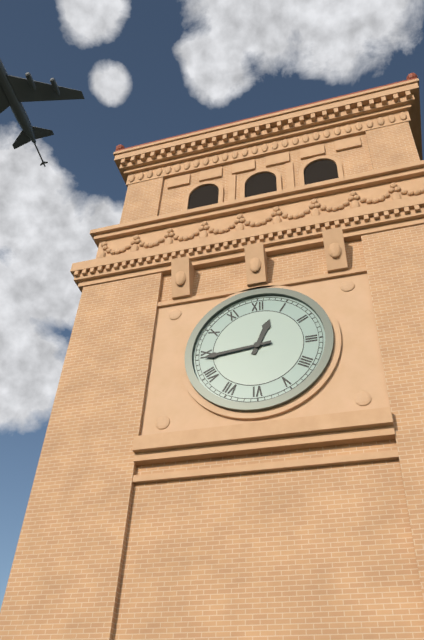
12,44
